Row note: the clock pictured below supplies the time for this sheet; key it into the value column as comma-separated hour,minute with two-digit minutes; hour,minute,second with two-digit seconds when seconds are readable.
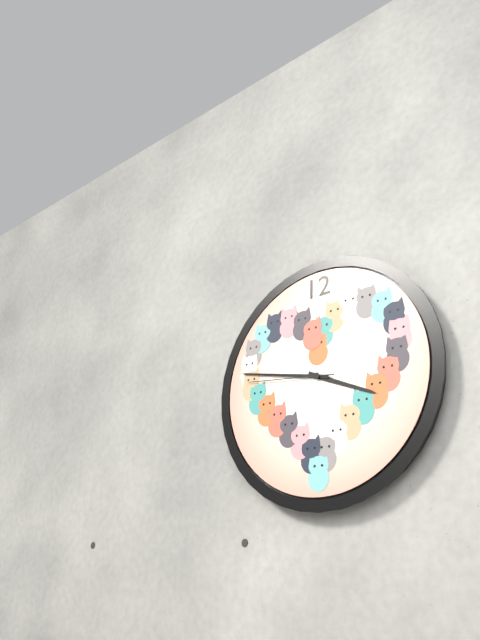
3,47,46
